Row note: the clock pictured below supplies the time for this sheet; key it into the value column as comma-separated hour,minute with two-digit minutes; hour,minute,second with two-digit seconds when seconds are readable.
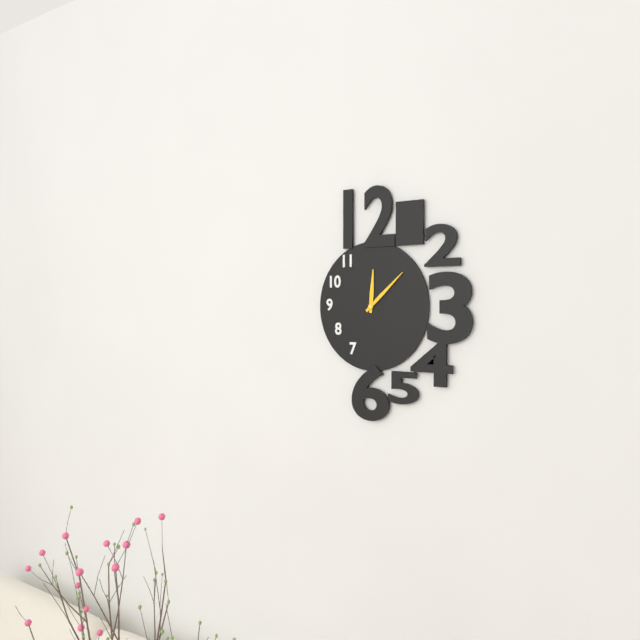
12,08
